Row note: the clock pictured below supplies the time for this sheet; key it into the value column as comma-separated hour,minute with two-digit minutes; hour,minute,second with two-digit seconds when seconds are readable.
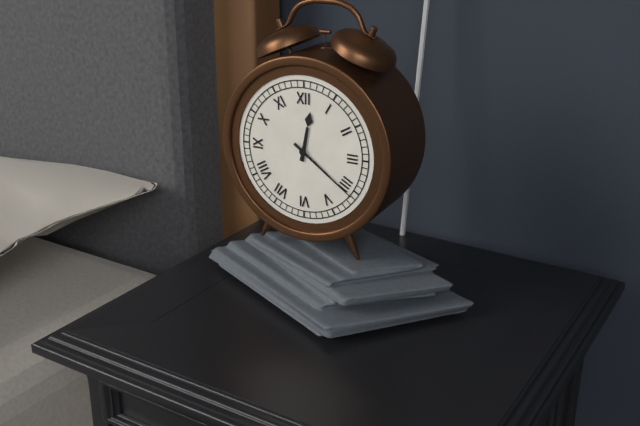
12,21
